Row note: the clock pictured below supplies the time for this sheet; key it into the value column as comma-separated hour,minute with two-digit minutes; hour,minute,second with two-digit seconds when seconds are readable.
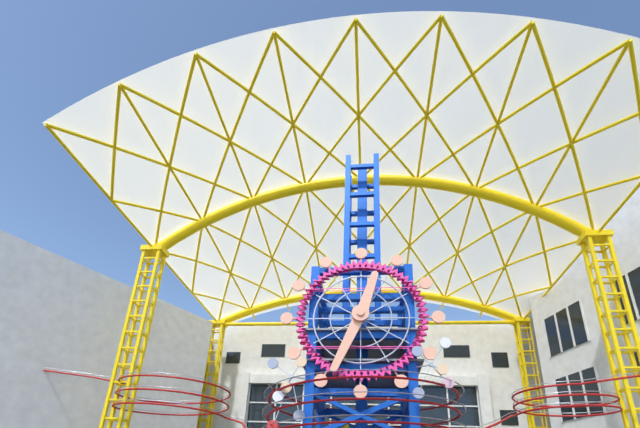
12,34
